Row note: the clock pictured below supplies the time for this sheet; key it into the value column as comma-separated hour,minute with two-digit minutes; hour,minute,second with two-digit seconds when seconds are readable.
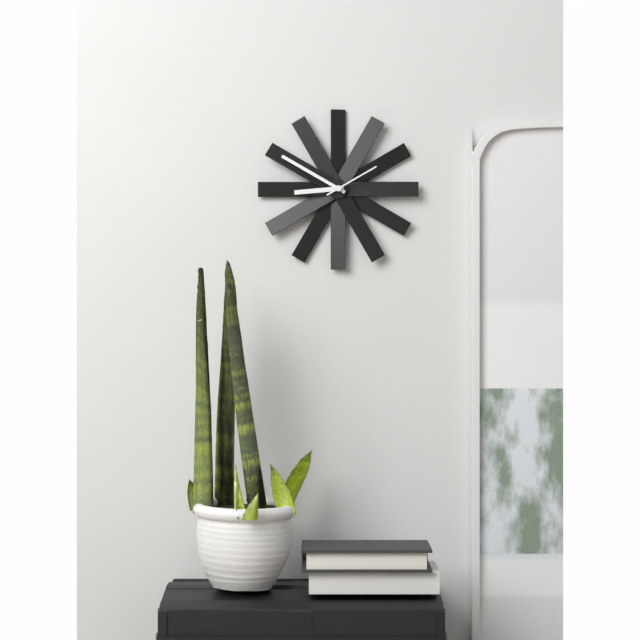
8,50,10
